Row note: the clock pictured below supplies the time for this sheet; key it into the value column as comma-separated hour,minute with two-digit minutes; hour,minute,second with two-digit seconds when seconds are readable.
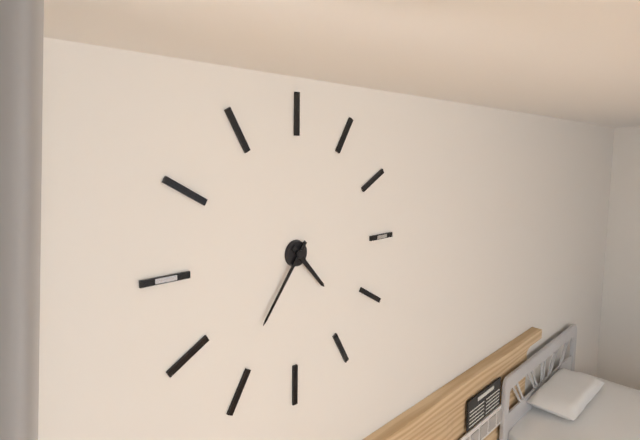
4,36
